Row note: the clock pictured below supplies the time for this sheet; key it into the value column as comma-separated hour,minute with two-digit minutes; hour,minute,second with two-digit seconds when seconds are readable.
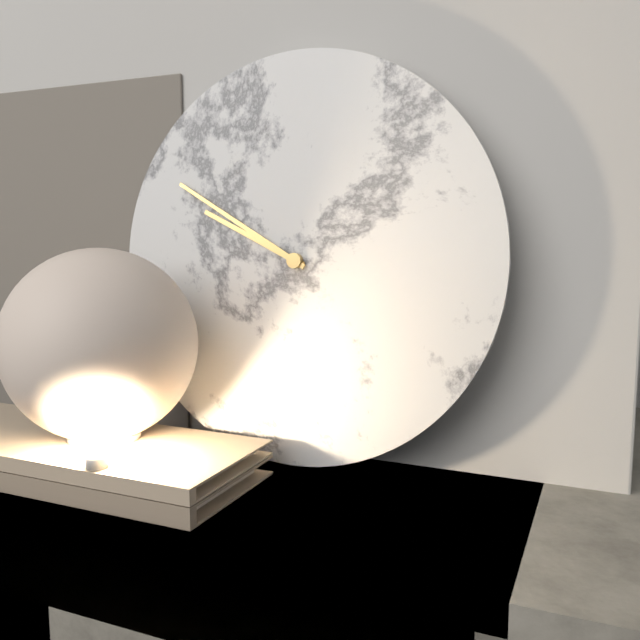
9,50
